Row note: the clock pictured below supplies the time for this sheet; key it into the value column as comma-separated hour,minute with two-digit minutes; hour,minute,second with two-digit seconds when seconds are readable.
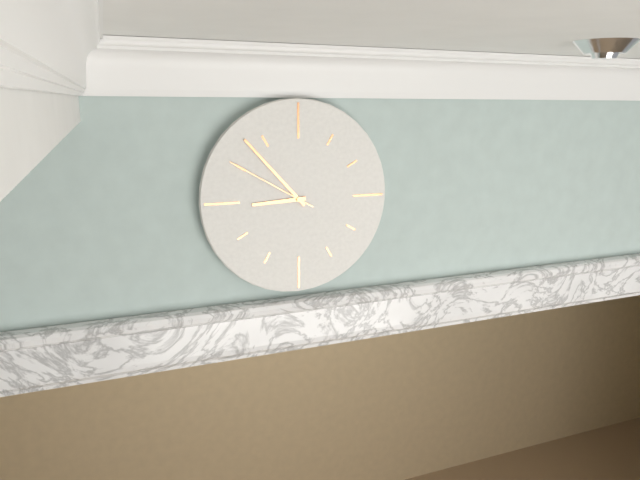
8,53,50
